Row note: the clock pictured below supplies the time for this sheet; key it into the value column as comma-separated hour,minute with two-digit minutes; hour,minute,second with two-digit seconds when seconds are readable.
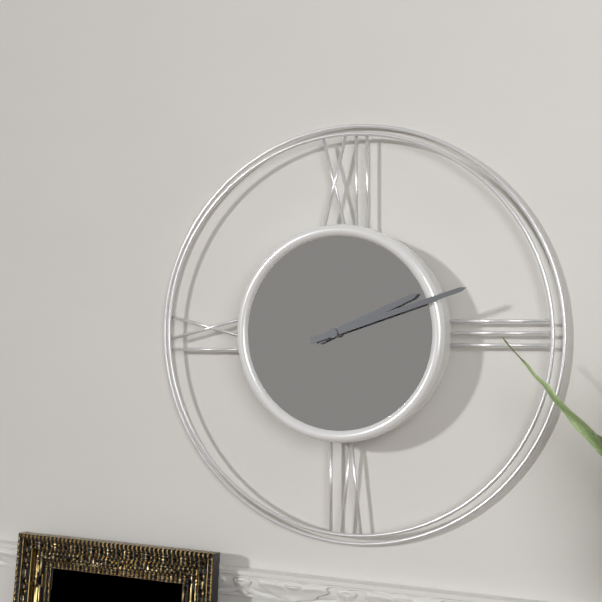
2,12
